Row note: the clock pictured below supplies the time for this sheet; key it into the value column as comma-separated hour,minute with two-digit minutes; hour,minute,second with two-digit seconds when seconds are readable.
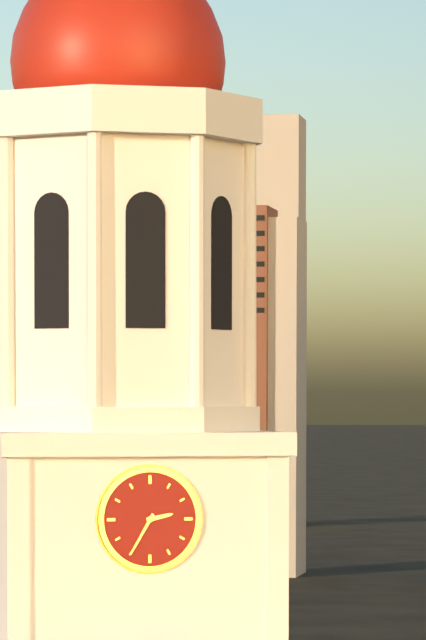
2,35
